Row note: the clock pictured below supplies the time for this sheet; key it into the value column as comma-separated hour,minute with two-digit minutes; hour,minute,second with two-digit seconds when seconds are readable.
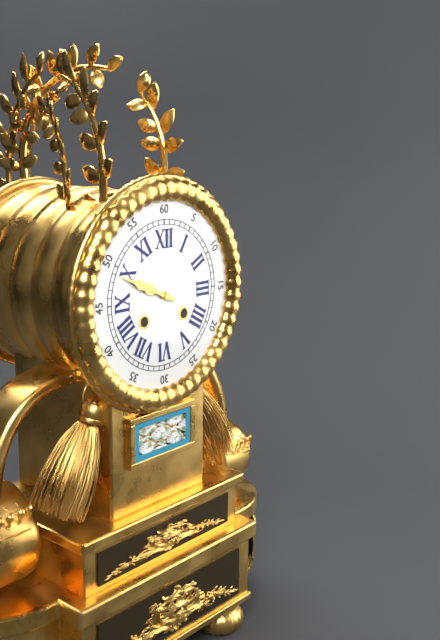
9,49
